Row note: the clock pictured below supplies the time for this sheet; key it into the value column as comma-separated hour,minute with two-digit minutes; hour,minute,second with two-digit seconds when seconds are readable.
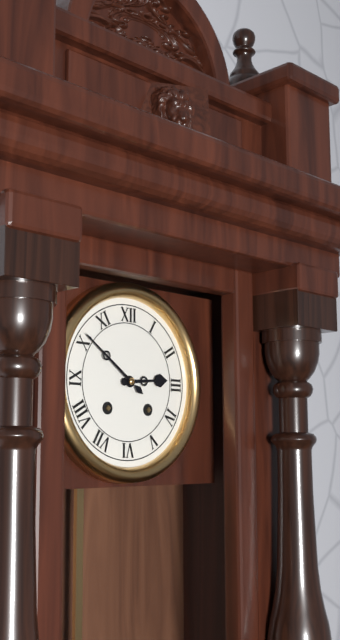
2,51
